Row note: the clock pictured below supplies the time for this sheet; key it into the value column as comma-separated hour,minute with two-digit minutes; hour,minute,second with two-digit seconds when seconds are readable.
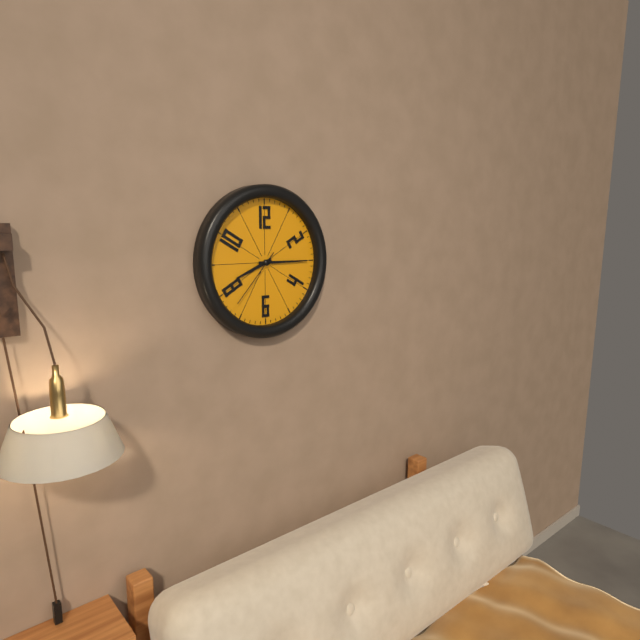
8,15,37
